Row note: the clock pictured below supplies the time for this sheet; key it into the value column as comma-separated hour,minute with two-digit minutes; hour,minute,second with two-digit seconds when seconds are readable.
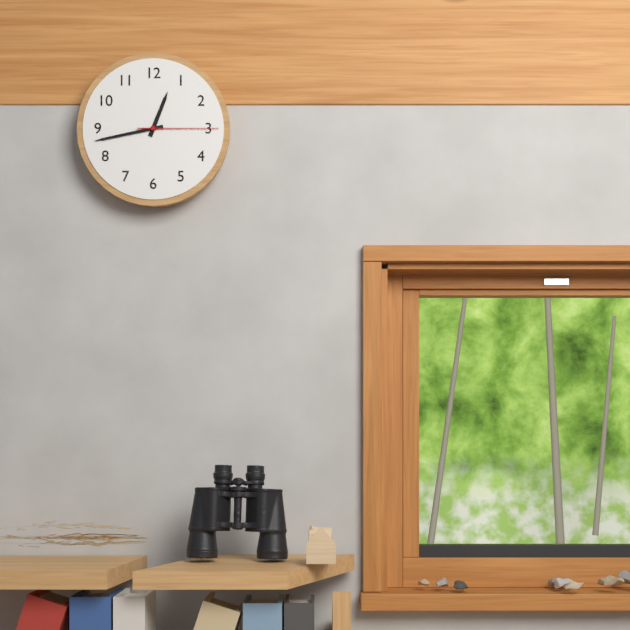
12,43,15
